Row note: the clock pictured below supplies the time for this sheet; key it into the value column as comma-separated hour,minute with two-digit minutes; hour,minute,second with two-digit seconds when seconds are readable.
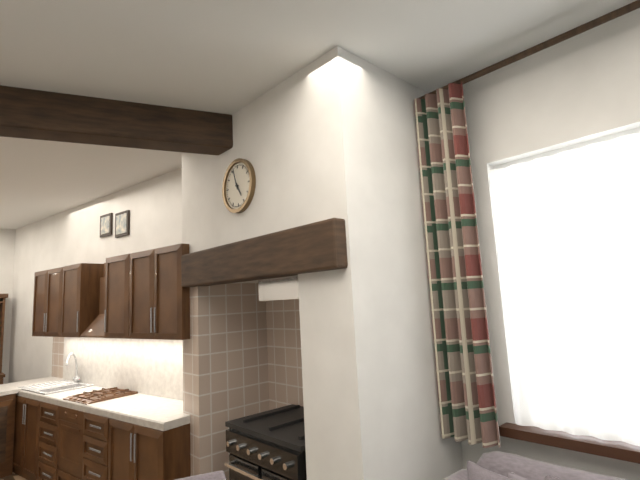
4,57
